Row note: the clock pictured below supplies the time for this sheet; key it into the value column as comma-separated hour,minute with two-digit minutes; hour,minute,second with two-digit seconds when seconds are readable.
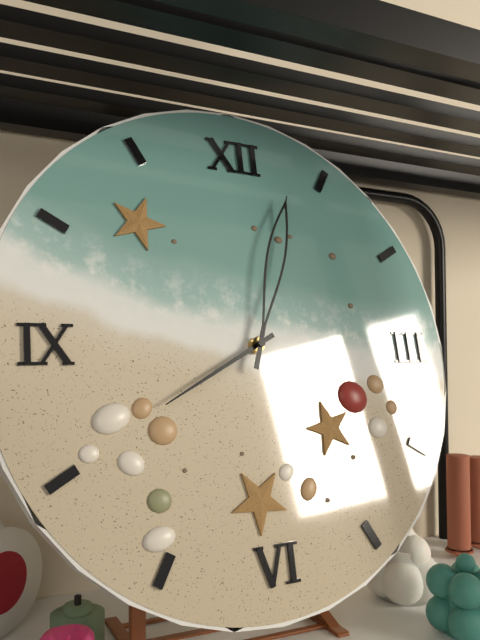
8,03
